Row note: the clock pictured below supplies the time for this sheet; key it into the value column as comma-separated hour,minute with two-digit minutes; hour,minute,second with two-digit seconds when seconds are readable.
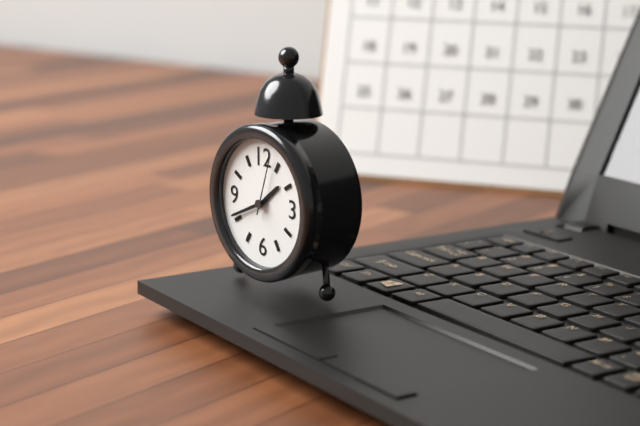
1,41,03
